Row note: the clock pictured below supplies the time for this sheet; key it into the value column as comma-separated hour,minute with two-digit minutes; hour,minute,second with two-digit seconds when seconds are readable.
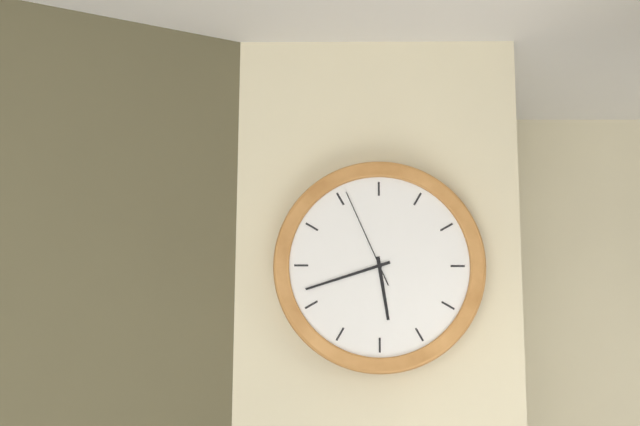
5,42,56
